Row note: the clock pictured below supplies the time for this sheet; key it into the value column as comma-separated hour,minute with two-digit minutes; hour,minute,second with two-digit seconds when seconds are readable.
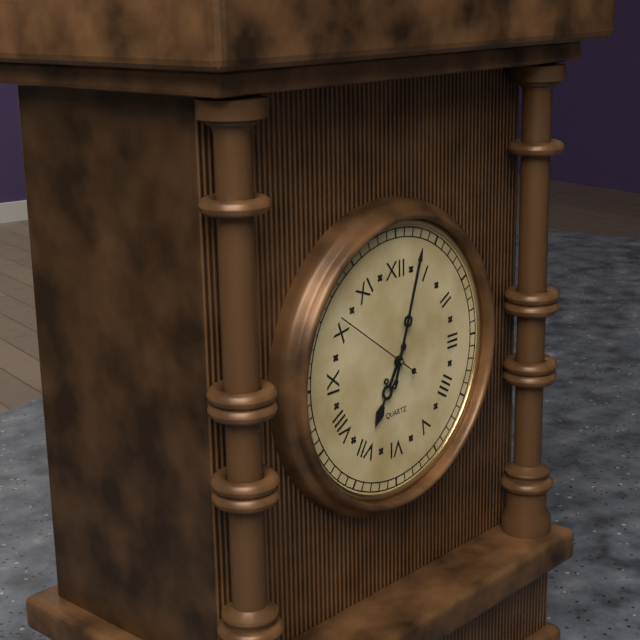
7,03,51
